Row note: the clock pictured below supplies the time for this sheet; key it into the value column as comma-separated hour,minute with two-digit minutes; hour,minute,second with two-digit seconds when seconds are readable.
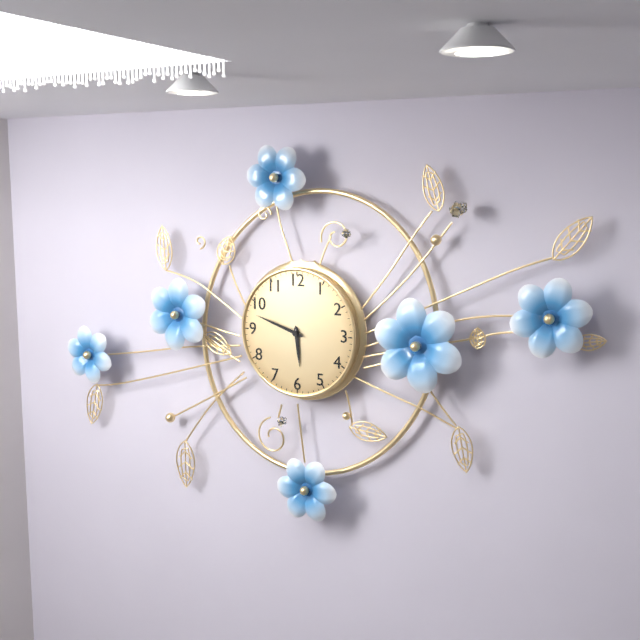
5,48
